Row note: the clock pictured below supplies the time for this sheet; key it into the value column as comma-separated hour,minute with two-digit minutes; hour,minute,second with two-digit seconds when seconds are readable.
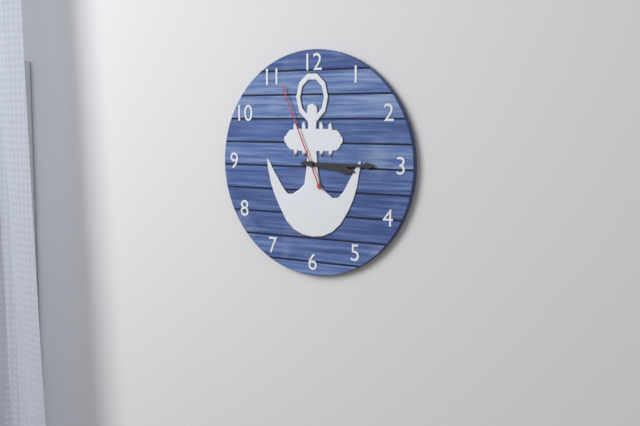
3,15,56
